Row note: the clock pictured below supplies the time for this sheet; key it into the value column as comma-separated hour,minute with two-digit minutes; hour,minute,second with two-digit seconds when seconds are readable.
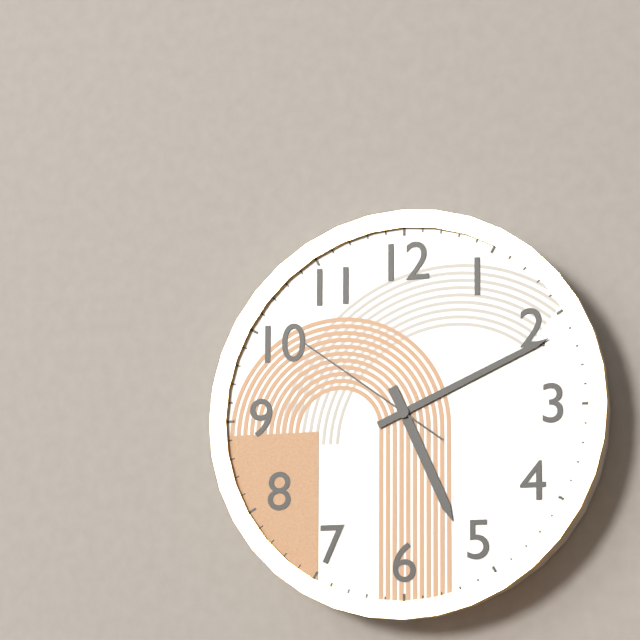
5,11,51
